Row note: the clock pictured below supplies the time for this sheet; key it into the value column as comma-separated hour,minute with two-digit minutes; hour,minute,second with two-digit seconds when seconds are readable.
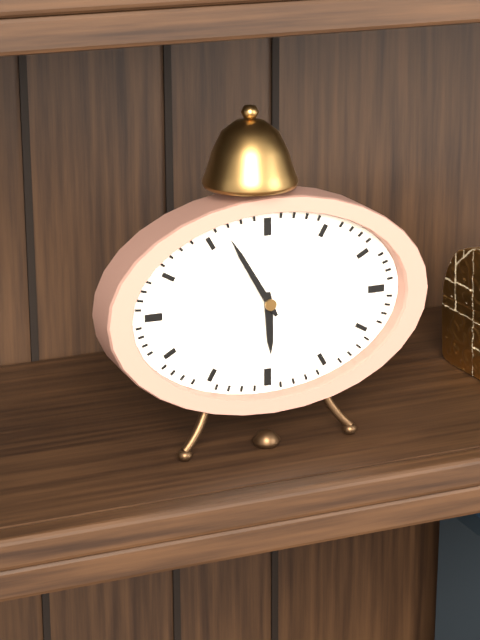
5,55
